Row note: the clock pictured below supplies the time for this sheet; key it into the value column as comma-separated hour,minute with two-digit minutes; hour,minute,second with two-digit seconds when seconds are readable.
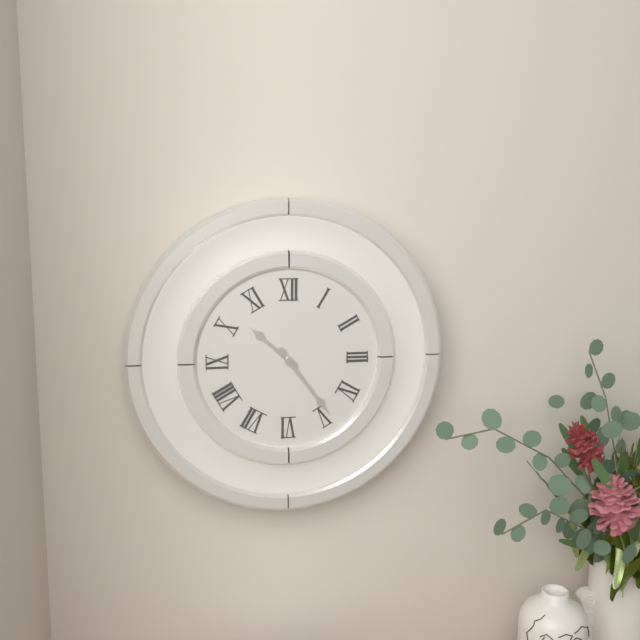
10,24
